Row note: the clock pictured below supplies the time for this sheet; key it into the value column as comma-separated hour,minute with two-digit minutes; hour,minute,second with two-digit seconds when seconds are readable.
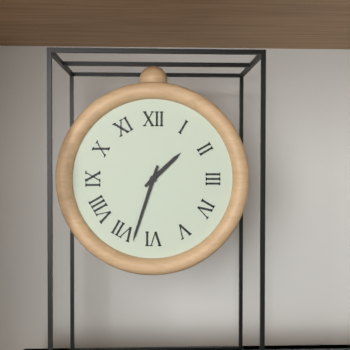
1,33
